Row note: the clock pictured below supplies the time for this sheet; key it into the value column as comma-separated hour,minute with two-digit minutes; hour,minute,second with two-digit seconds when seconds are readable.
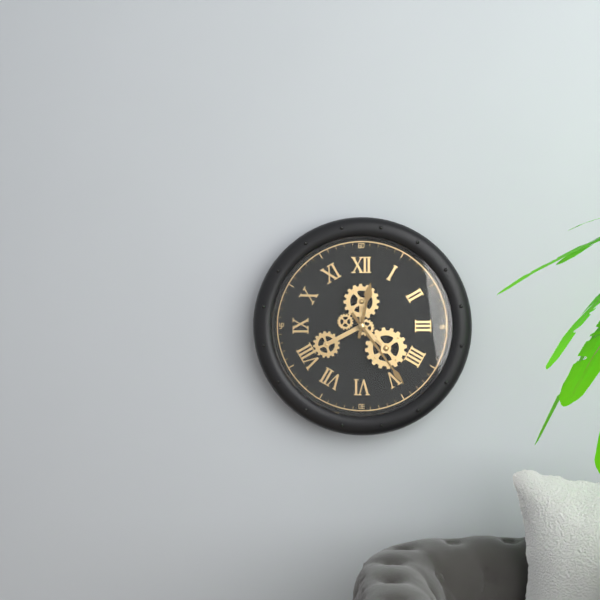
12,24
